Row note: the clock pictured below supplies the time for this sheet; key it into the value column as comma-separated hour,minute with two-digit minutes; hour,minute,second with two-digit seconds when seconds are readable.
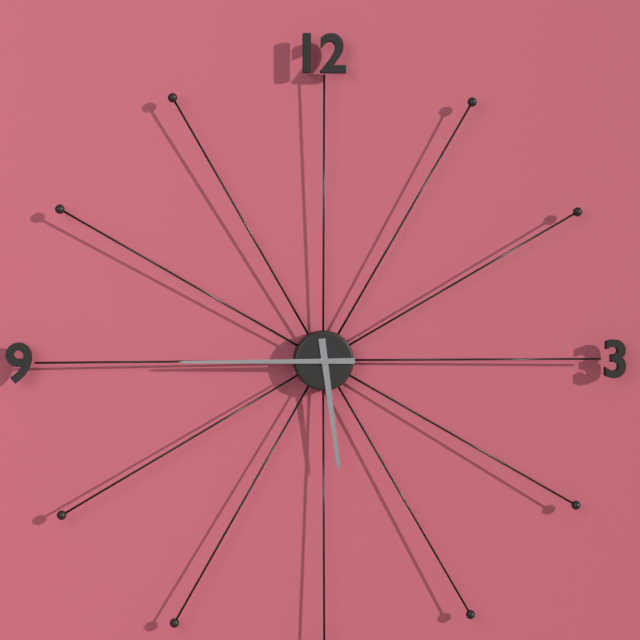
5,45
